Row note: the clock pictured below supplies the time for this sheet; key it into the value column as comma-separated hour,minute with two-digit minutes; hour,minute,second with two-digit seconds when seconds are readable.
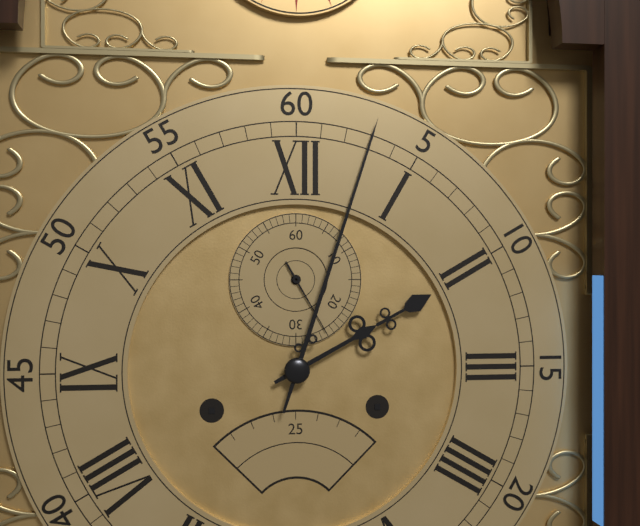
2,03,25
